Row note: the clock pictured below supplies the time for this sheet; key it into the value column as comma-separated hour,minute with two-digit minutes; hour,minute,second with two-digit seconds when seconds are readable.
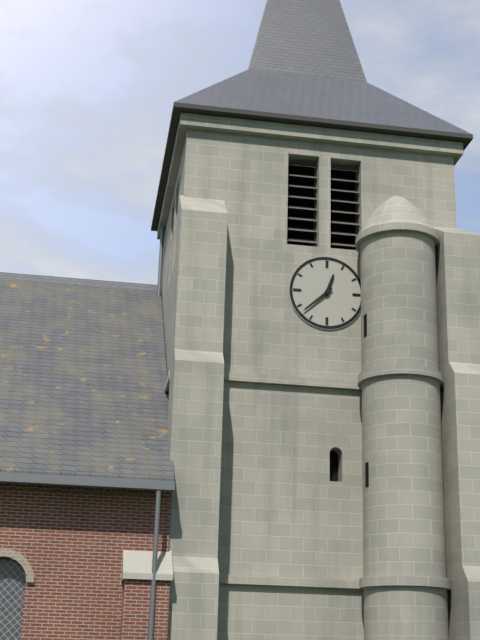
12,38
